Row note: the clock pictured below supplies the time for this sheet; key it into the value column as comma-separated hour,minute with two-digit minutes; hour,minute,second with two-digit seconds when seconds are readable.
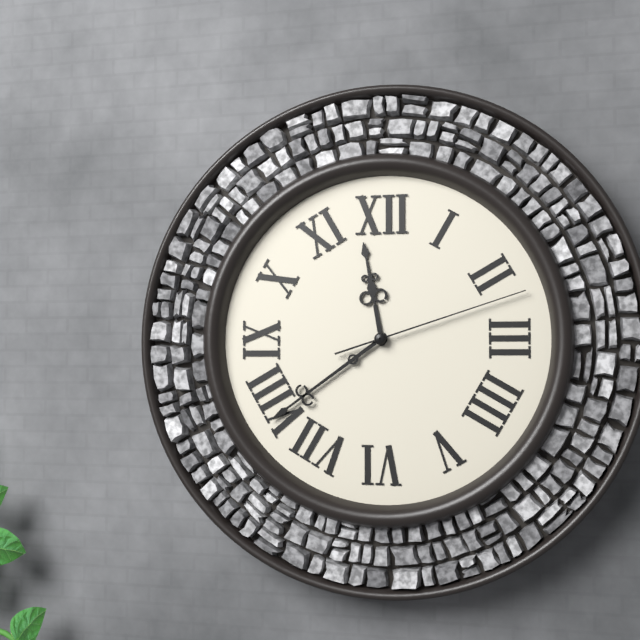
11,39,12
